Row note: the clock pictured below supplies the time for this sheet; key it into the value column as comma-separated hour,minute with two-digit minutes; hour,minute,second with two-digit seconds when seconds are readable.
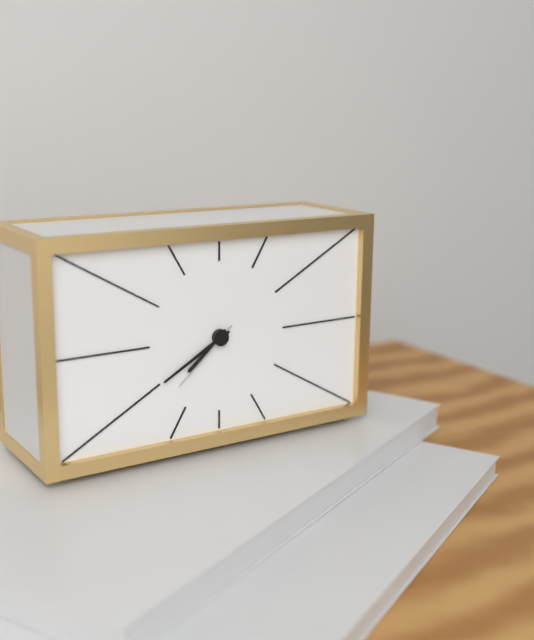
7,40,38
